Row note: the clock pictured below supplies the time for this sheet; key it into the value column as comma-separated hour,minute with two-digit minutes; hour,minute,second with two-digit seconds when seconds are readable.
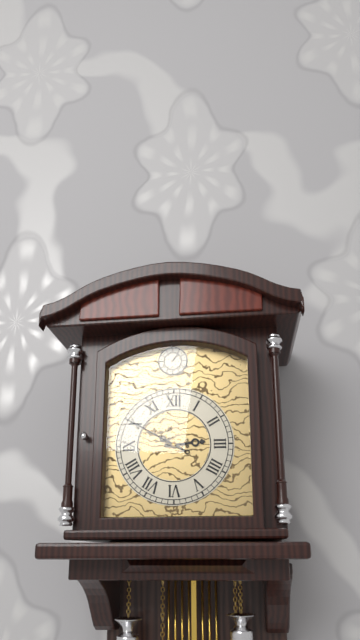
2,50
